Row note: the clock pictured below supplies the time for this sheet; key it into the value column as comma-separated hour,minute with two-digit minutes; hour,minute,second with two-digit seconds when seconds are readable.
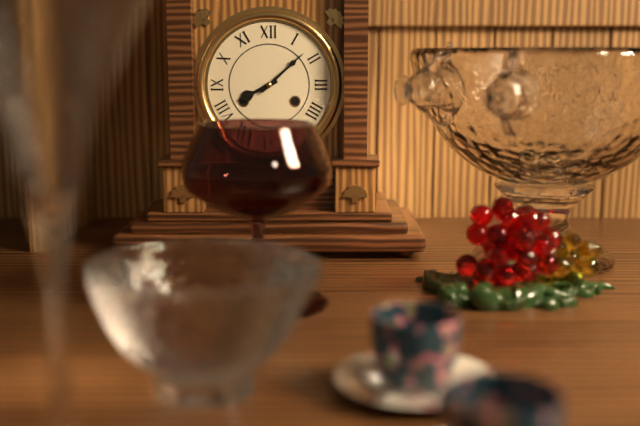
8,08
